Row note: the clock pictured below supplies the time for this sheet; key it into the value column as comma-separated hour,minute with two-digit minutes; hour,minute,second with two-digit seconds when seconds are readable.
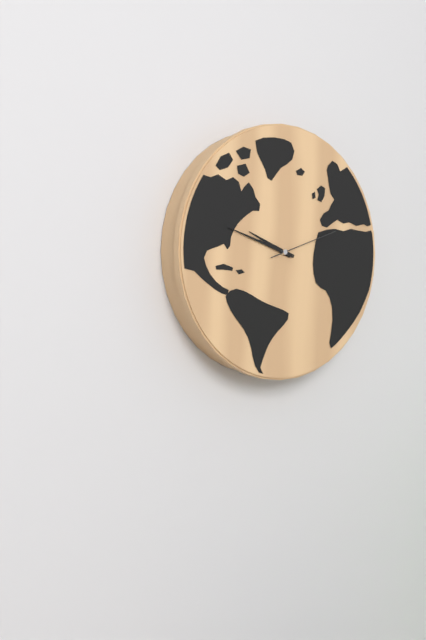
9,48,12
